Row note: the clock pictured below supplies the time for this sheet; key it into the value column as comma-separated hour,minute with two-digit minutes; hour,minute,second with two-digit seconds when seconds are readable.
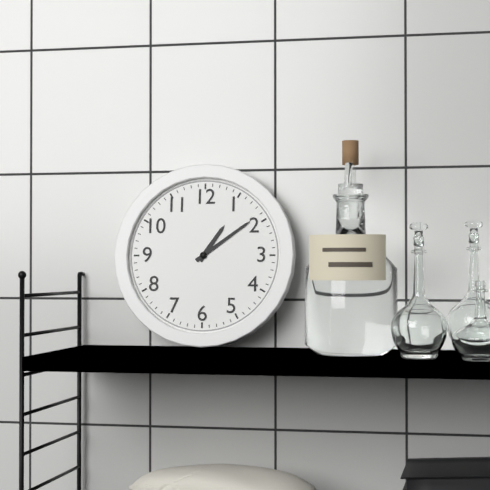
1,09
